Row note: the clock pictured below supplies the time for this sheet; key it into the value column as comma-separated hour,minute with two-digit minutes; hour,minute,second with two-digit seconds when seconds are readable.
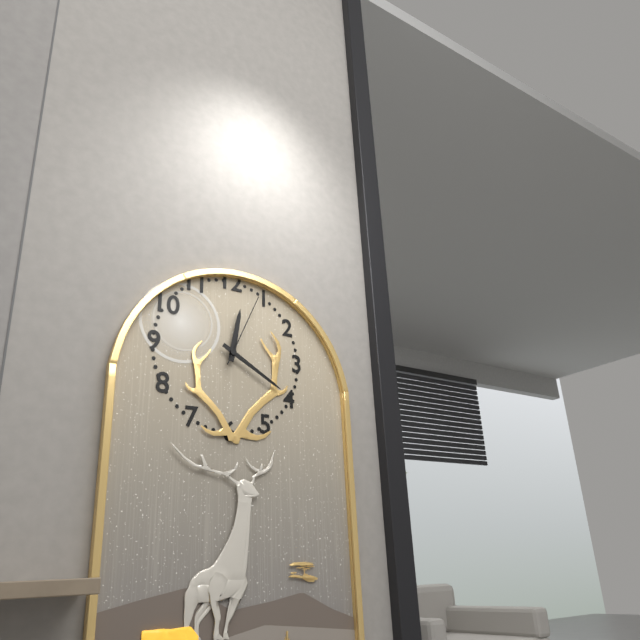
12,20,04
